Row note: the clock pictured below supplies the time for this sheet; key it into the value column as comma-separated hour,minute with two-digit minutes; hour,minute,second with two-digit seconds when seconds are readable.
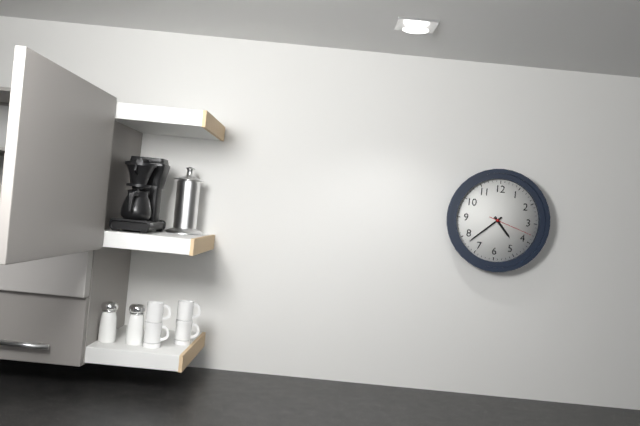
4,38
